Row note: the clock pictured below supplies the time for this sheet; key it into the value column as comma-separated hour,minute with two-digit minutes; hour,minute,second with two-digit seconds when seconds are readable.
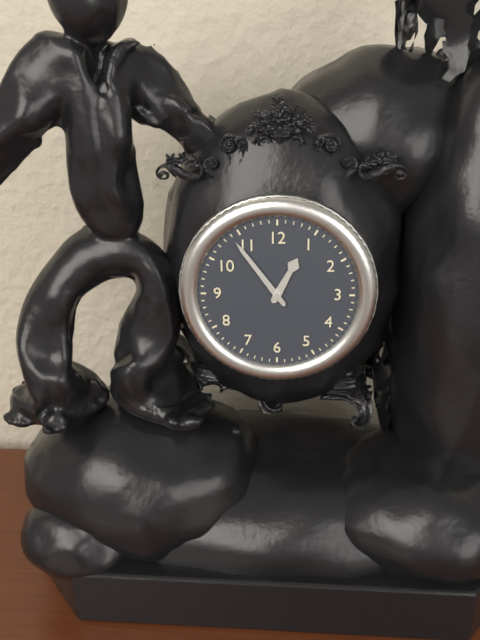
12,54
